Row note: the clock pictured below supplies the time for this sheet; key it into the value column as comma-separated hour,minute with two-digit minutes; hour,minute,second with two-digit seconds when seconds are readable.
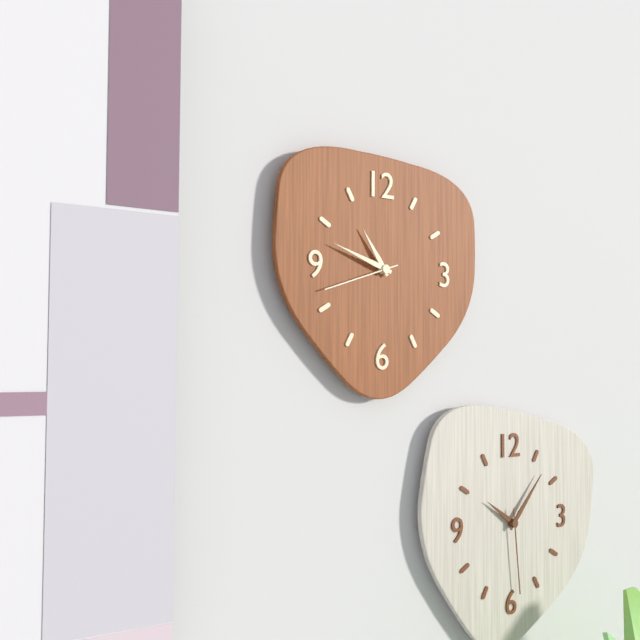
10,48,42
